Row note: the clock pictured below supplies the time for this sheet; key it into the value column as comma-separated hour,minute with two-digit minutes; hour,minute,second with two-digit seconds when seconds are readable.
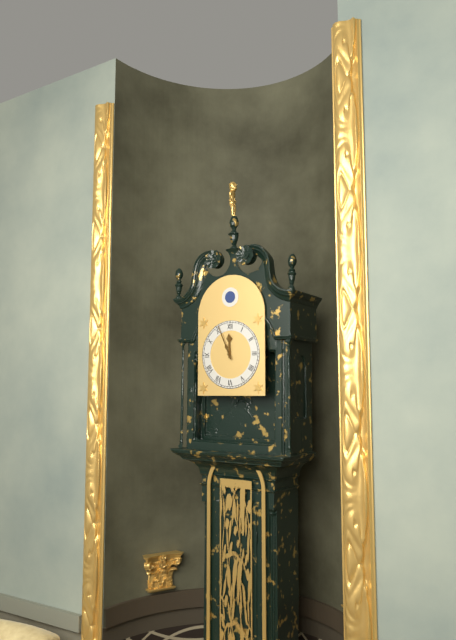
11,56
